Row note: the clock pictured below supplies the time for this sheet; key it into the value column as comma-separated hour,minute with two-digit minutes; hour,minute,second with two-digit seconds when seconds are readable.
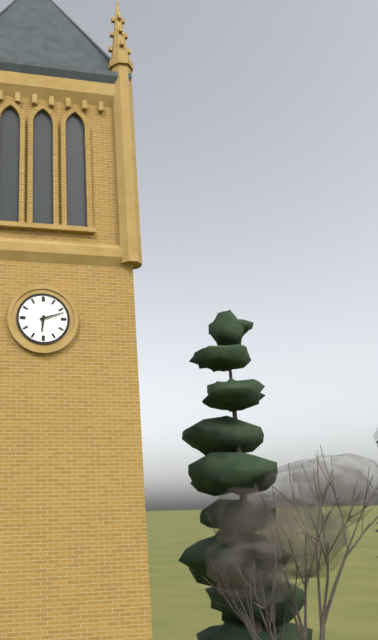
6,12
